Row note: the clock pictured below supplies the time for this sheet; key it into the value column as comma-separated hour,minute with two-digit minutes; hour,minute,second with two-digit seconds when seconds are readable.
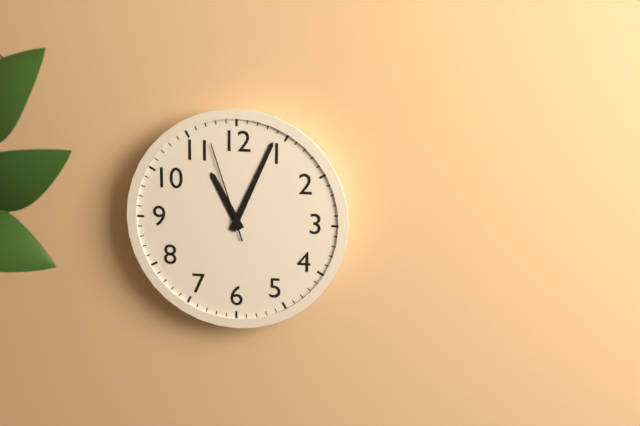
11,04,57
